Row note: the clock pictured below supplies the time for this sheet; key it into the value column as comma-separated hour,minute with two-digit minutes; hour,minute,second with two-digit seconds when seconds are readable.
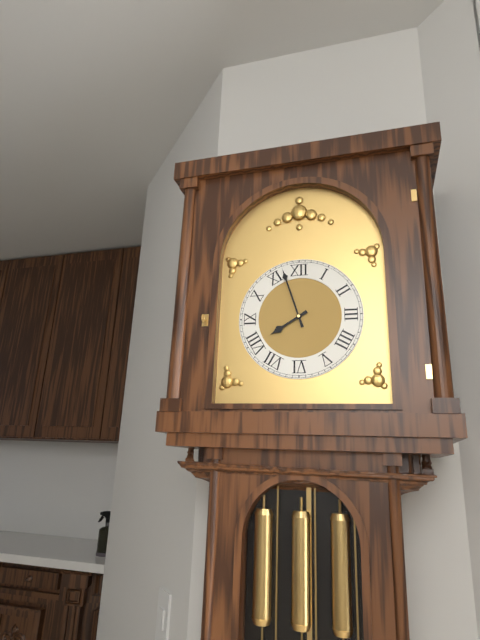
7,57
